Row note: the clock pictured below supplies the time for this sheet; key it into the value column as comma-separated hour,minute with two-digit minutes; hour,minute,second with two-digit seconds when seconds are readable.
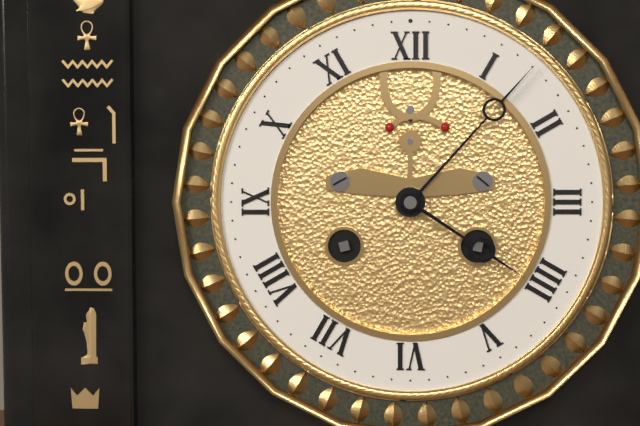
4,07
